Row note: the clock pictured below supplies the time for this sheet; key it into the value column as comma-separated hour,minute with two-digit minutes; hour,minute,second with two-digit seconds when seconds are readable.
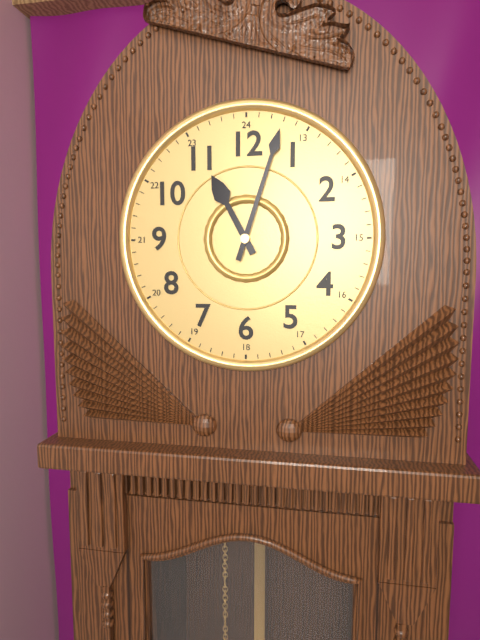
11,03
